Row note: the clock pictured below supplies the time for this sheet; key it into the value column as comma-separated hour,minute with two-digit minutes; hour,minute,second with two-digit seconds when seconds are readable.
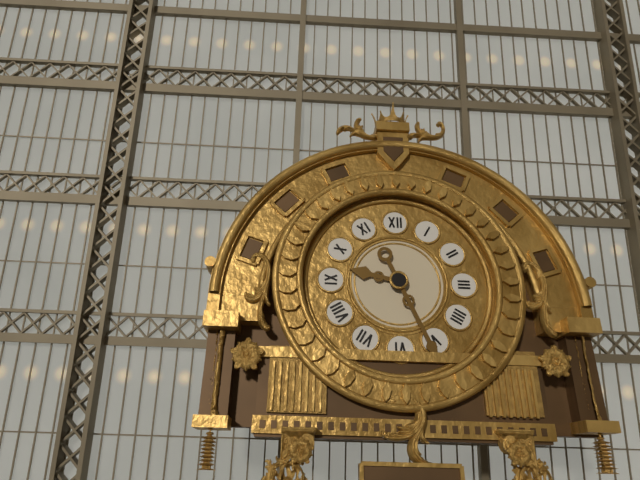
9,26
